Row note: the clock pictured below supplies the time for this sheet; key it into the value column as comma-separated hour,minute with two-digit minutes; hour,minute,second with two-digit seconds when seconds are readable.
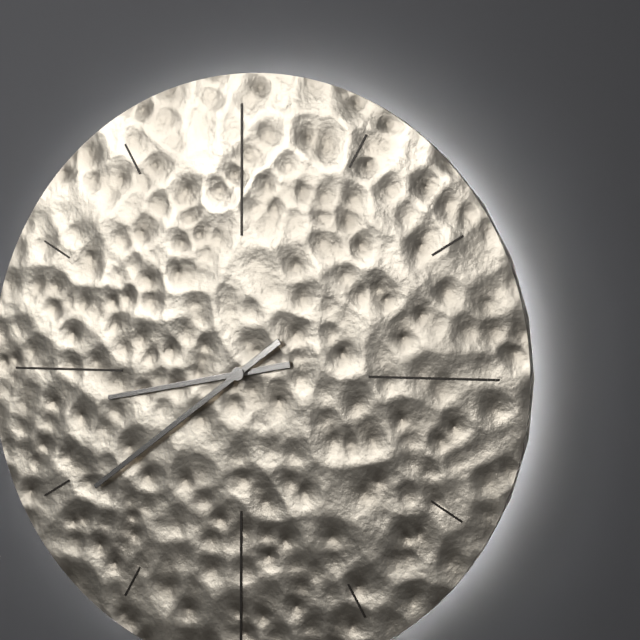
8,39
